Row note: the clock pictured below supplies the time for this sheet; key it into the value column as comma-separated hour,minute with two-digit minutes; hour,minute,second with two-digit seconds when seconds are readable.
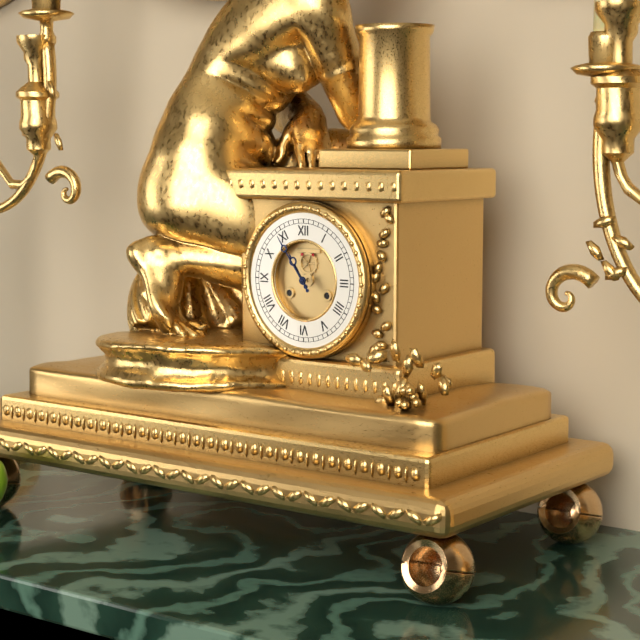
10,54
